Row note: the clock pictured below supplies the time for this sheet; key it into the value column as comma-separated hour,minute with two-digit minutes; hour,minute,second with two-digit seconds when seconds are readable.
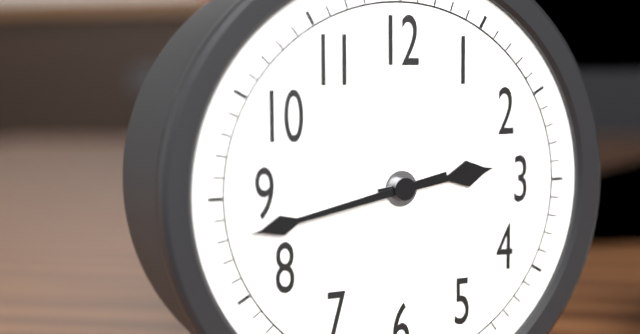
2,43
